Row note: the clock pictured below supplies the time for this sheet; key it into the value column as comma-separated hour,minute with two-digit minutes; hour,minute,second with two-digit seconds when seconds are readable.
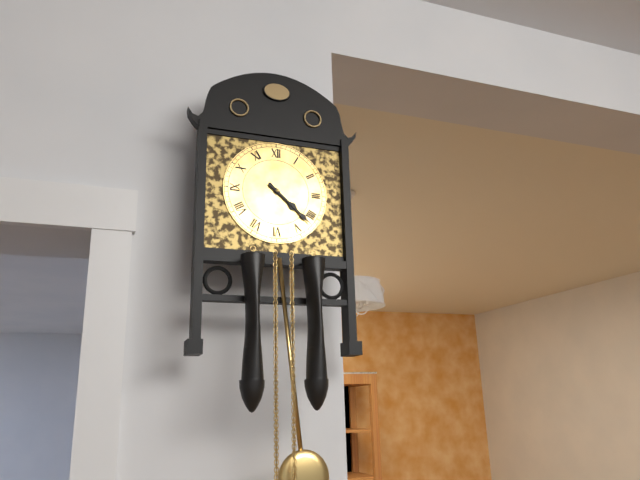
4,22
